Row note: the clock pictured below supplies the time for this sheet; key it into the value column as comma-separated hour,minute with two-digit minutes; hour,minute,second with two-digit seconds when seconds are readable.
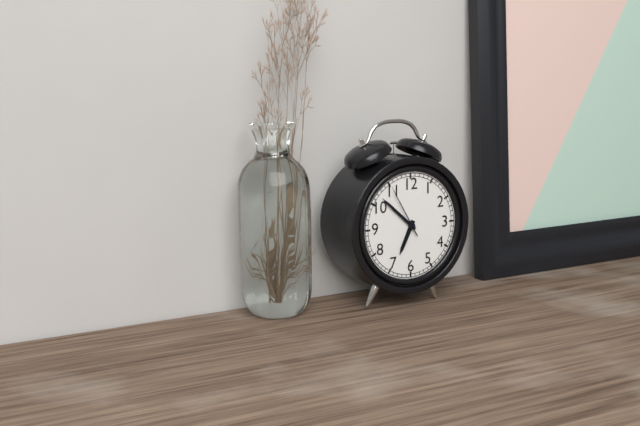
6,52,55
